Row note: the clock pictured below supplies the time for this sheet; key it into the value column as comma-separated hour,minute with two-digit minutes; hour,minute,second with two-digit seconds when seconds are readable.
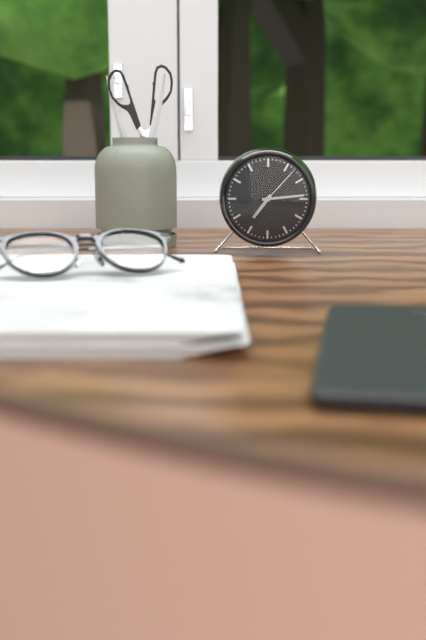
7,14
